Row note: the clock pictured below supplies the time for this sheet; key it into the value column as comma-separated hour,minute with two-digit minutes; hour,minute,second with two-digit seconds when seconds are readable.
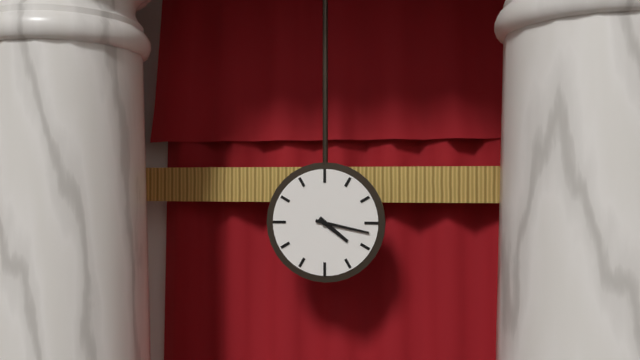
4,17
